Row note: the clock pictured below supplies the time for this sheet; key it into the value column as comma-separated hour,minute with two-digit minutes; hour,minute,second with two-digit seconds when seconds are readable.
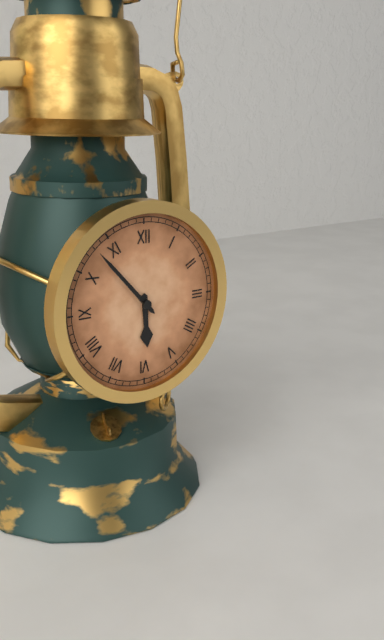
5,53
